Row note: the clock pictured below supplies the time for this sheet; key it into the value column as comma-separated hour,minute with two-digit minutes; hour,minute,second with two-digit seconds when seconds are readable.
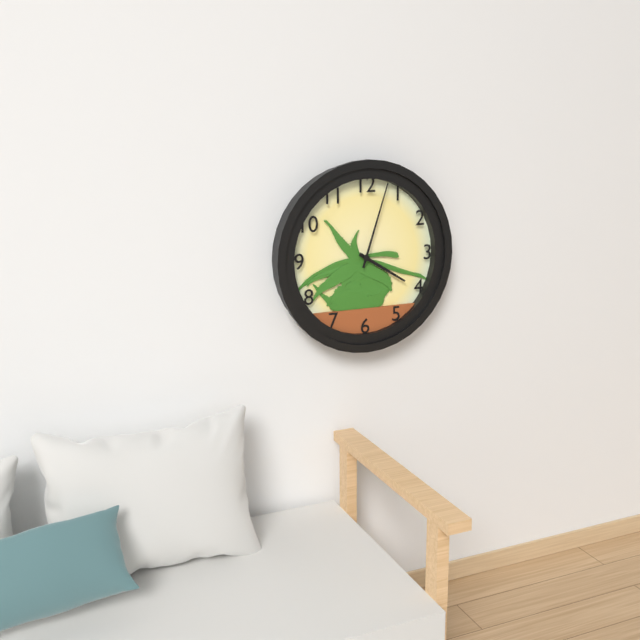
4,03
